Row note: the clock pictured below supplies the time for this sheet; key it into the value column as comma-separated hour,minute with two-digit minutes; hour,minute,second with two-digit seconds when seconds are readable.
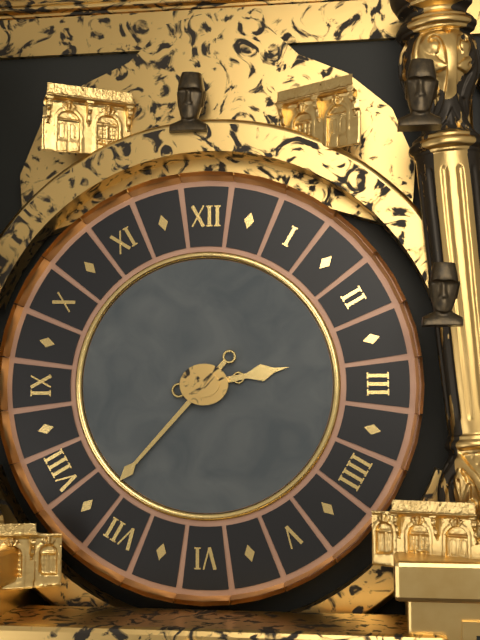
2,37
